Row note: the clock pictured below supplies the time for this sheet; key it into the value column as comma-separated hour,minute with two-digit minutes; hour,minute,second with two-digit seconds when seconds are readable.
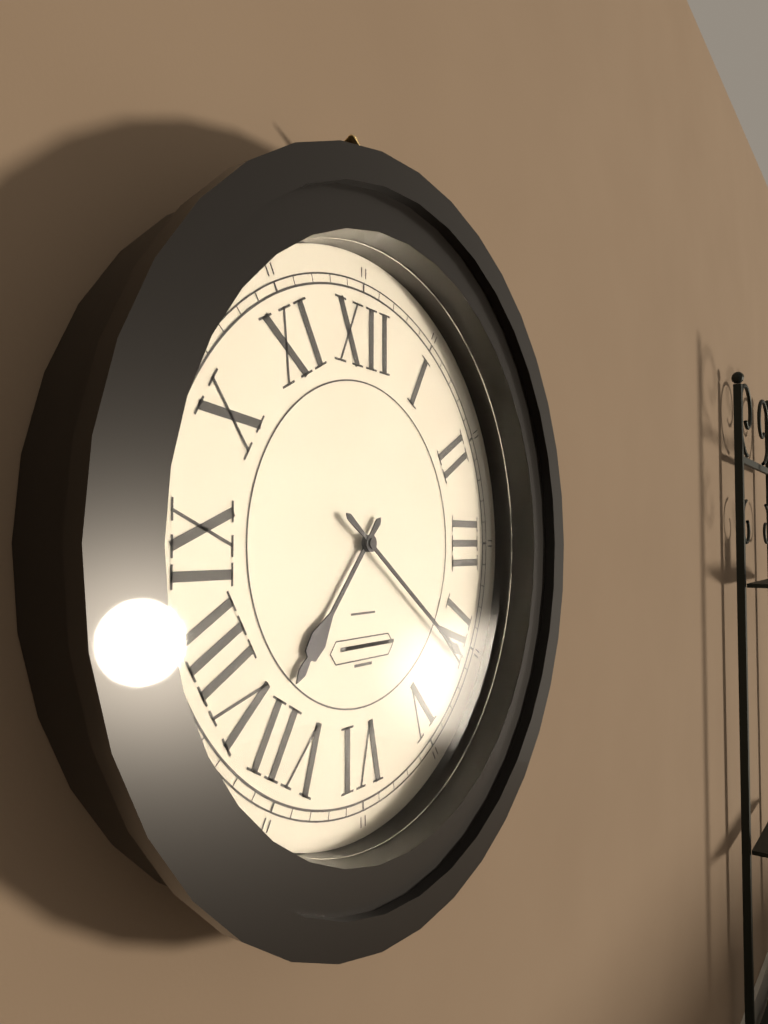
7,21
